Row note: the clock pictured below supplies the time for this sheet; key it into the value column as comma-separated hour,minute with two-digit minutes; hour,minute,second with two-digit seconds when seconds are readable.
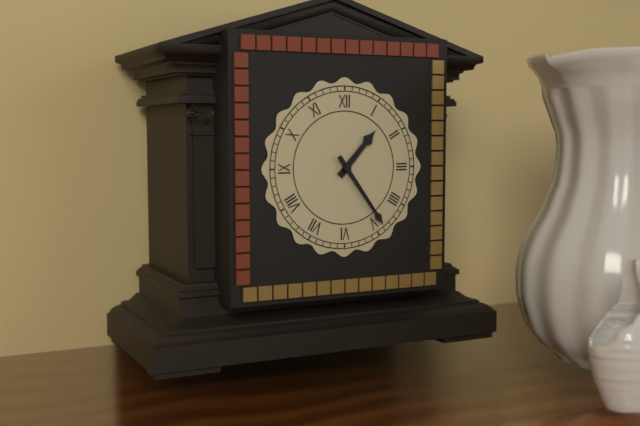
1,24
